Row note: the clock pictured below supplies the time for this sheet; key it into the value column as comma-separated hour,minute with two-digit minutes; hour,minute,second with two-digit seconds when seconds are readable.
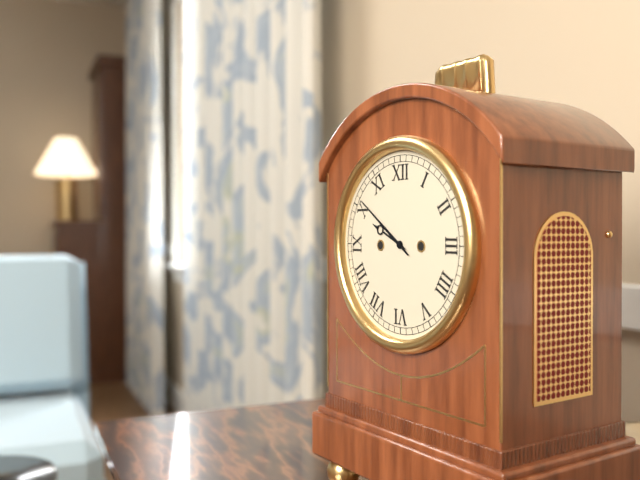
9,51
